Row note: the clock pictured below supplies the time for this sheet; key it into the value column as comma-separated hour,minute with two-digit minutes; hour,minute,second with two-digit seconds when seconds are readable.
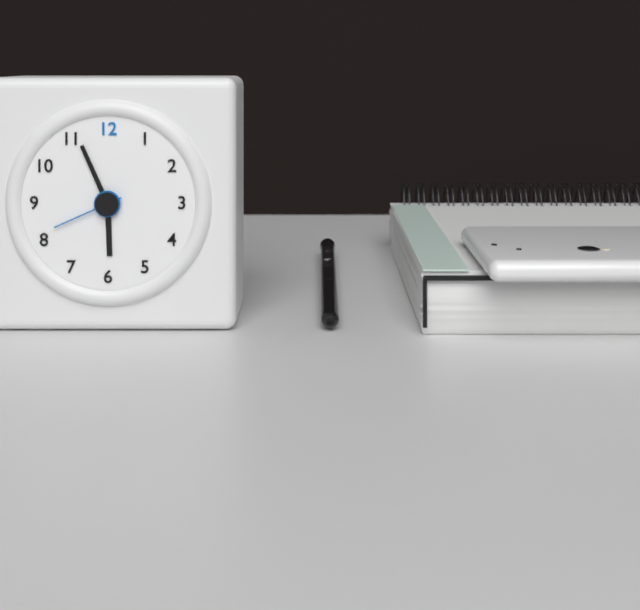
5,56,41
